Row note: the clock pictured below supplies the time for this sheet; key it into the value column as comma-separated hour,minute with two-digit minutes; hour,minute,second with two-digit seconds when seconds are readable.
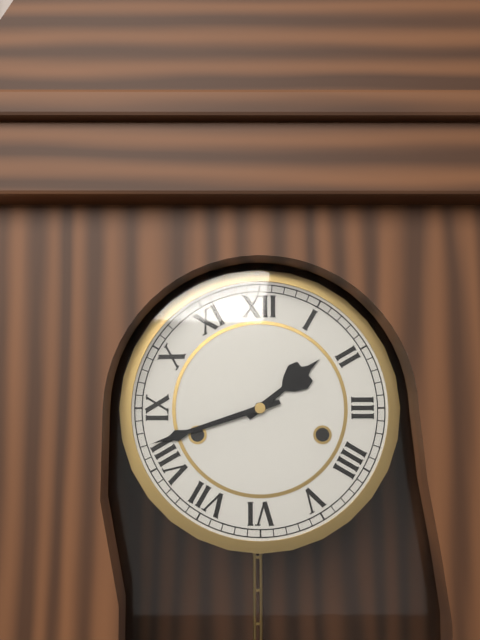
1,42
